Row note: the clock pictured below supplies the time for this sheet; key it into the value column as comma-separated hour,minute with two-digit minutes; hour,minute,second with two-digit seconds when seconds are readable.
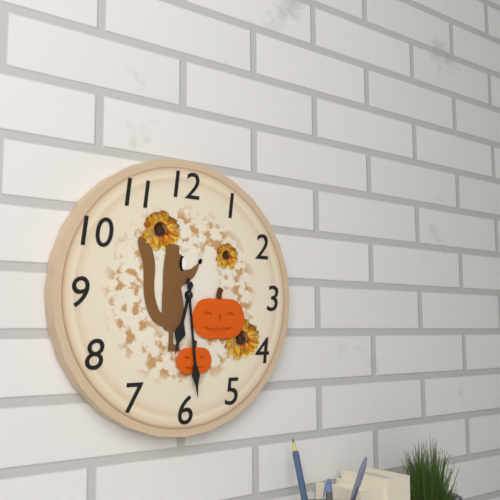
6,29
